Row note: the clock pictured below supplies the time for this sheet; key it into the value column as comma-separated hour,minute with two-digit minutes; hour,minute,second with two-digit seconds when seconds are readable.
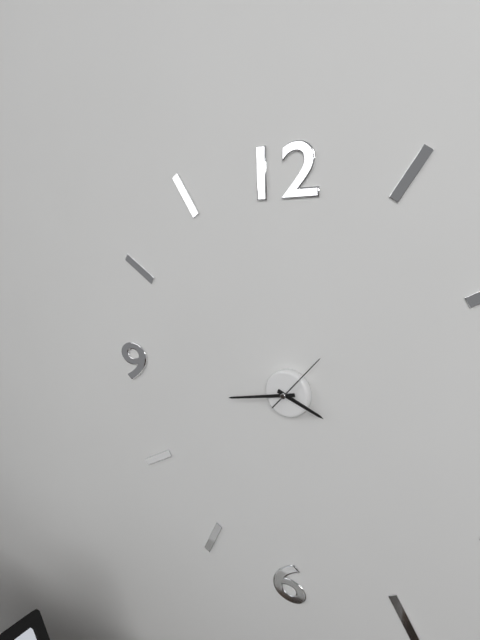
3,43,07
